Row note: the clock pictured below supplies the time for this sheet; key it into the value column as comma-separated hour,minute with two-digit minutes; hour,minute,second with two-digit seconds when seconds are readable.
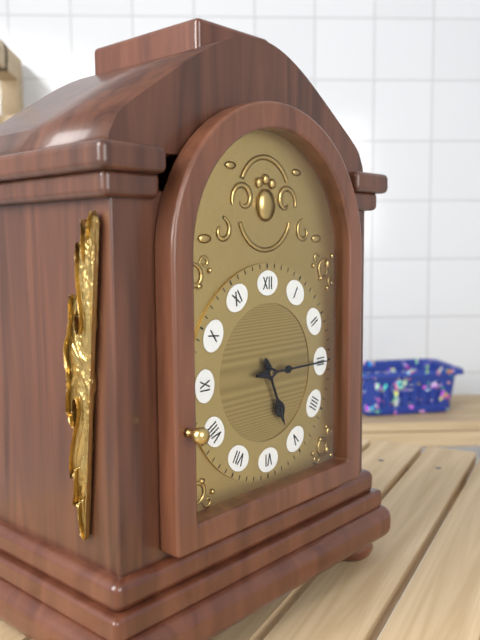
5,15
